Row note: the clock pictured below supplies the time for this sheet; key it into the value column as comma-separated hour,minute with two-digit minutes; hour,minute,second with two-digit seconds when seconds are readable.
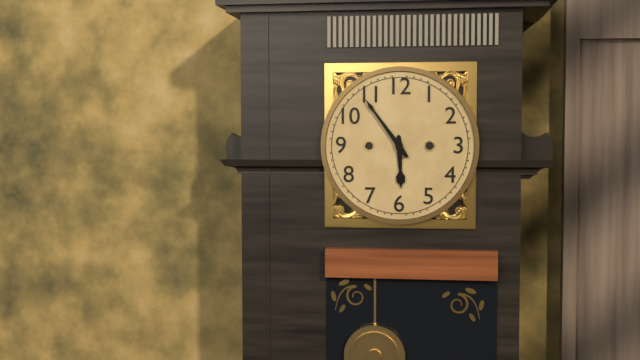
5,54
